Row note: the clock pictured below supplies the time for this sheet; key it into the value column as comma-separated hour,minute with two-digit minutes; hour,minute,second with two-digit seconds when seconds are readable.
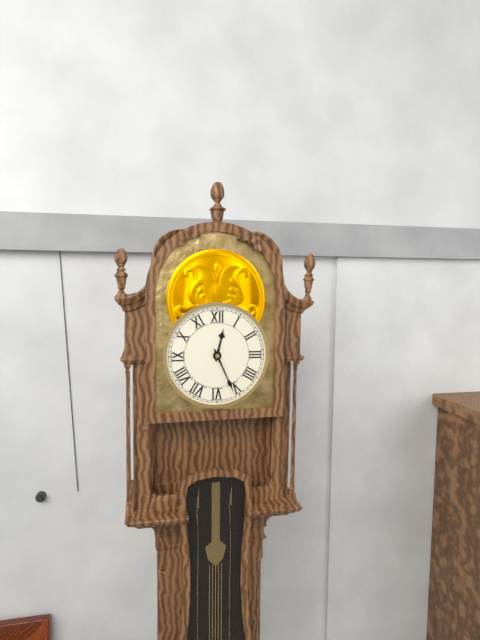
12,26
